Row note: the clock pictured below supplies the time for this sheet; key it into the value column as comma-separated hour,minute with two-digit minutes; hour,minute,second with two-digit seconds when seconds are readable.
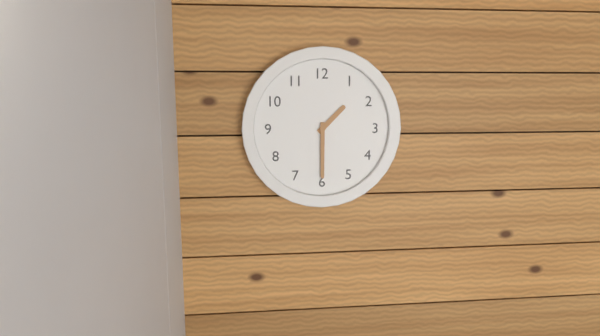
1,30
